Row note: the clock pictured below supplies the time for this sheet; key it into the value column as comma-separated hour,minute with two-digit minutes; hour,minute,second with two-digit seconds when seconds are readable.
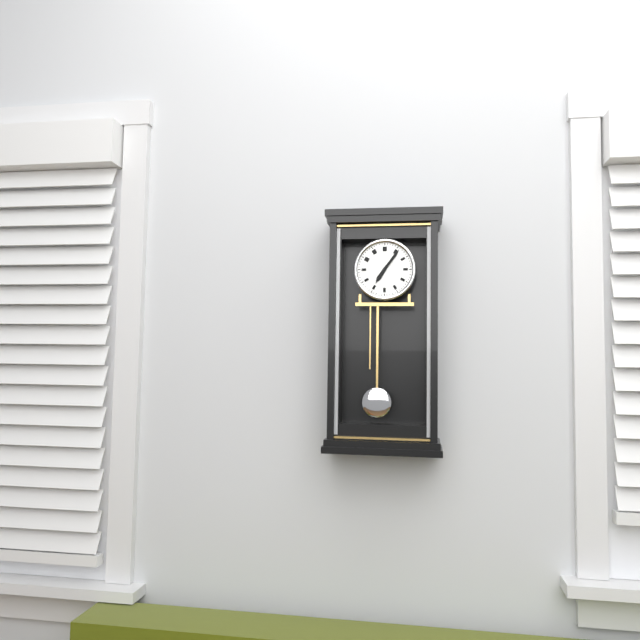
7,06
